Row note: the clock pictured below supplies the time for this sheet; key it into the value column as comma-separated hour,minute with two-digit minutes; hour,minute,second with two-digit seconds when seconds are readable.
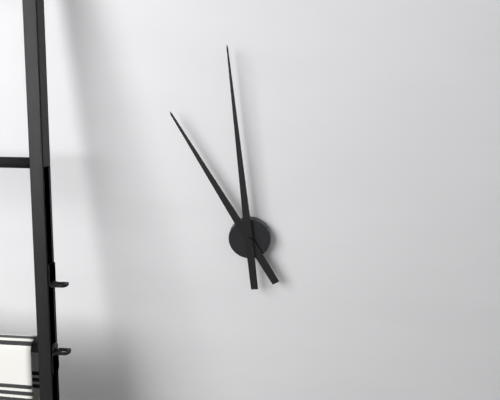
10,59
